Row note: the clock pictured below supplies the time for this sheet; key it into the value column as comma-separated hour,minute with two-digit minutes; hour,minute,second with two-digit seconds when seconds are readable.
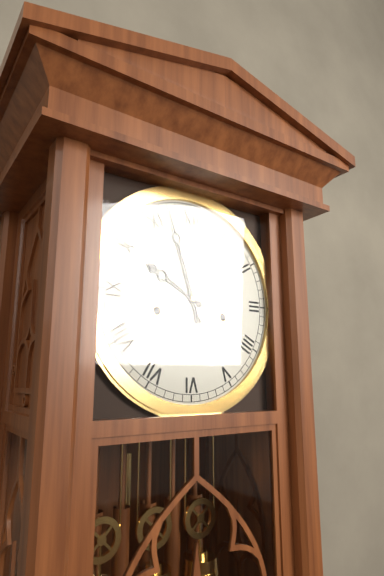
9,57
